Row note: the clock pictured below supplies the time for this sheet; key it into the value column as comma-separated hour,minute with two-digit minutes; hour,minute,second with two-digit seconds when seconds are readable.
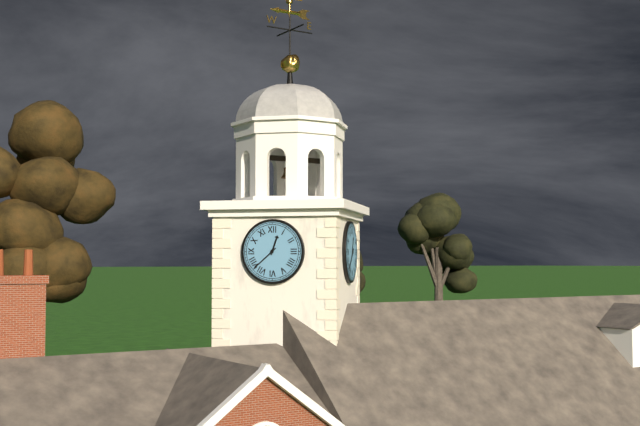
12,38
